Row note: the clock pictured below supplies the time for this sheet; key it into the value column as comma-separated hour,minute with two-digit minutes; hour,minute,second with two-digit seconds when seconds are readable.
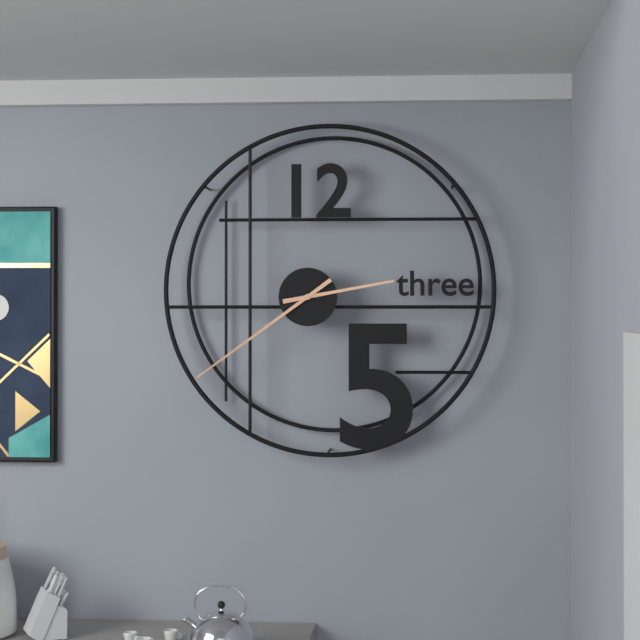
2,39
